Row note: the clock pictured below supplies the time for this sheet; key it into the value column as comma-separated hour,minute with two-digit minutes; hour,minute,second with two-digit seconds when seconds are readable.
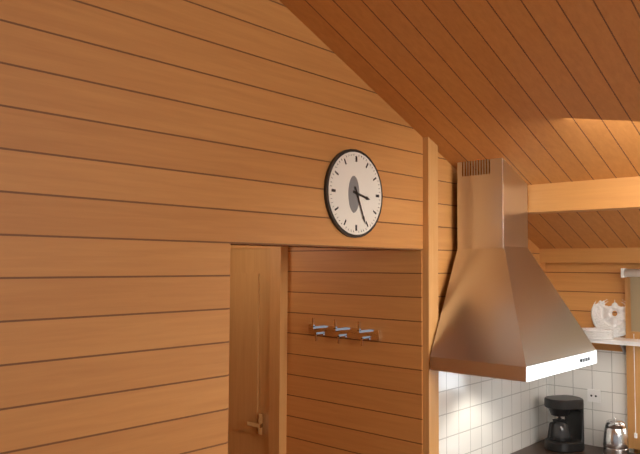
3,26
